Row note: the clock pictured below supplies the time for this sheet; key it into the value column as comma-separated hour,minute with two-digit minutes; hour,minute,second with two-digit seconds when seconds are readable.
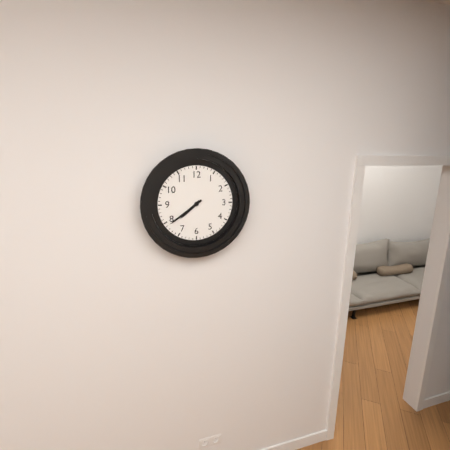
7,39
